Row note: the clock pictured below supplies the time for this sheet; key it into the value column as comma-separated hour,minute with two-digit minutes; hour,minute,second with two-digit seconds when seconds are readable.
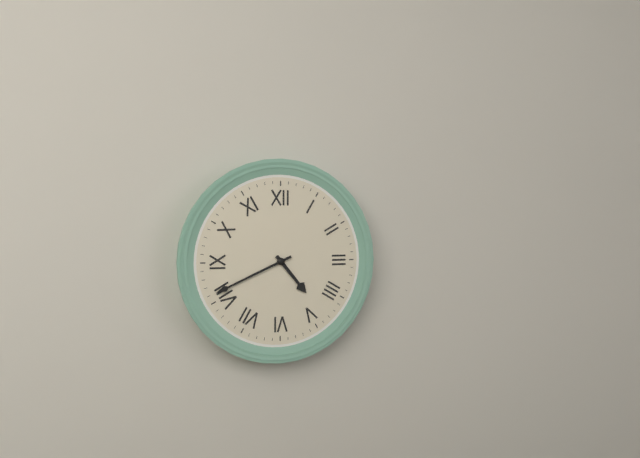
4,41
